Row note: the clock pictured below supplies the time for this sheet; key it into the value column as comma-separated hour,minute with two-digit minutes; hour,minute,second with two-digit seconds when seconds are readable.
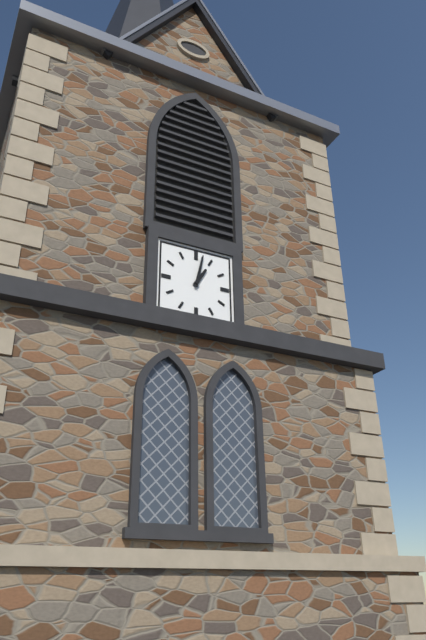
1,02
